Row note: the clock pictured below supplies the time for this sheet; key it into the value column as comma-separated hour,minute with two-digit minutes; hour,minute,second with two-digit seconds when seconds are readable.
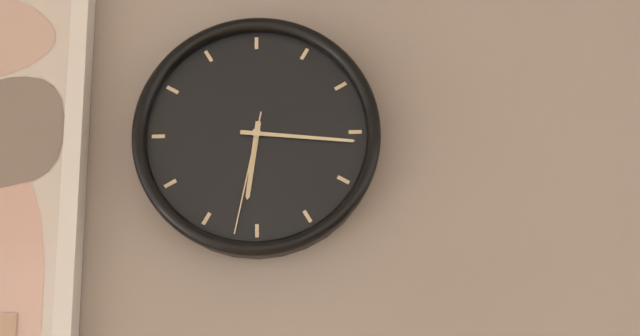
6,16,32
